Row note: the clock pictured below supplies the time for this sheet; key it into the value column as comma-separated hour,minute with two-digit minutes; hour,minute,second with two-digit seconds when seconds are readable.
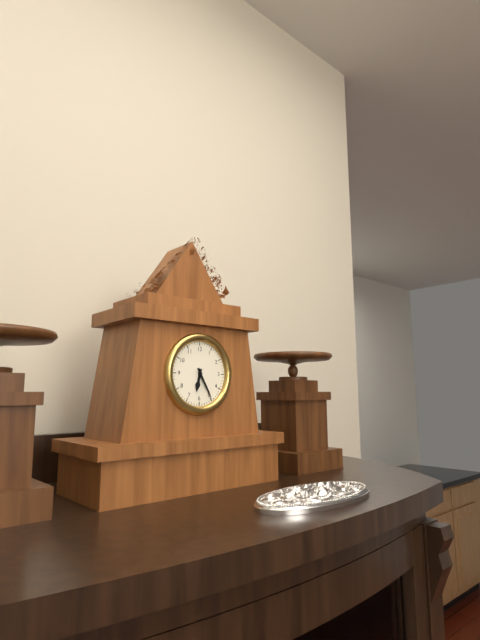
6,25
